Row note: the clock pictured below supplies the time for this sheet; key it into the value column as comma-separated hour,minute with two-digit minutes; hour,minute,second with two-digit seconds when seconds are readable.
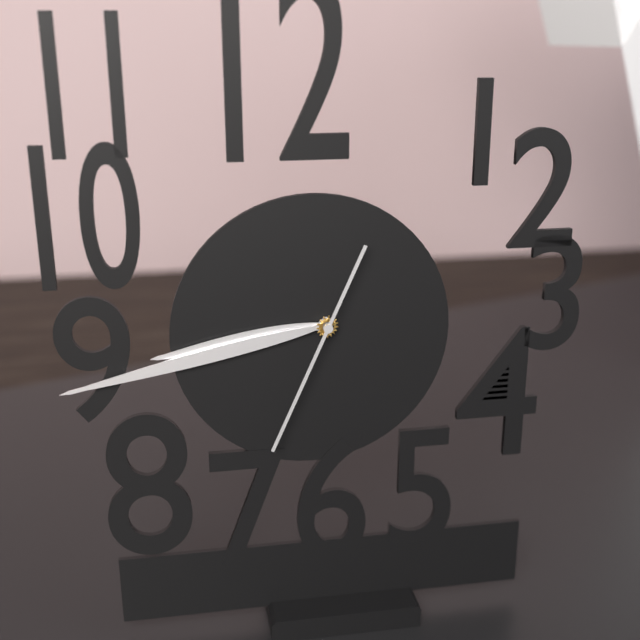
8,43,34
